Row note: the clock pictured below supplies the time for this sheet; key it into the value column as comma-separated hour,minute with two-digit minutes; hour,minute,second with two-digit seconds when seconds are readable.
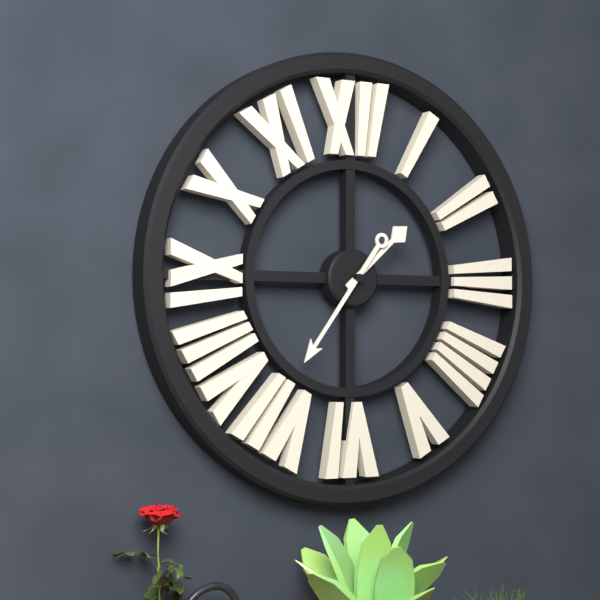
1,36
